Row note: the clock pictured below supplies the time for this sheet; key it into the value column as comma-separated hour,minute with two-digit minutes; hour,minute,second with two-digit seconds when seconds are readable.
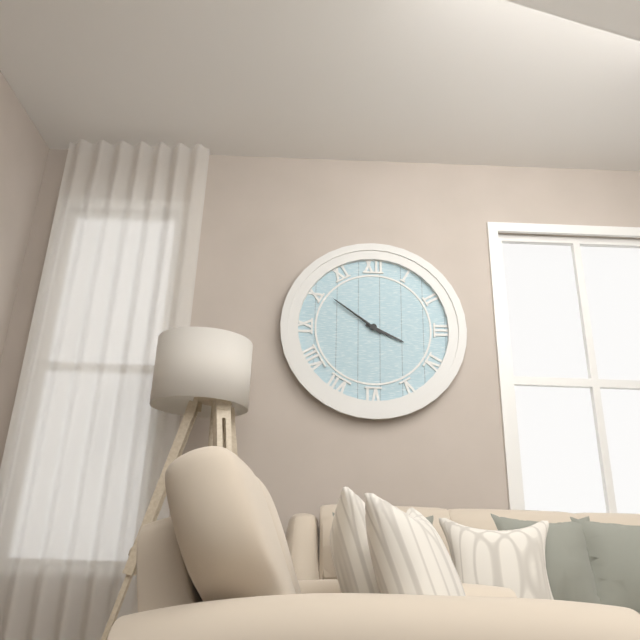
3,51
